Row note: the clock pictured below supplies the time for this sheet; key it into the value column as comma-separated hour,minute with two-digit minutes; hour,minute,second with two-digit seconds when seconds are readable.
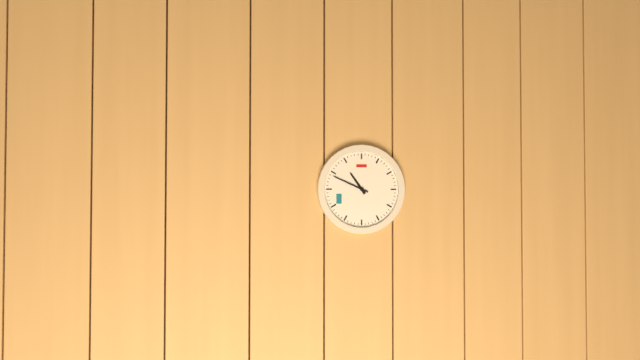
10,49
